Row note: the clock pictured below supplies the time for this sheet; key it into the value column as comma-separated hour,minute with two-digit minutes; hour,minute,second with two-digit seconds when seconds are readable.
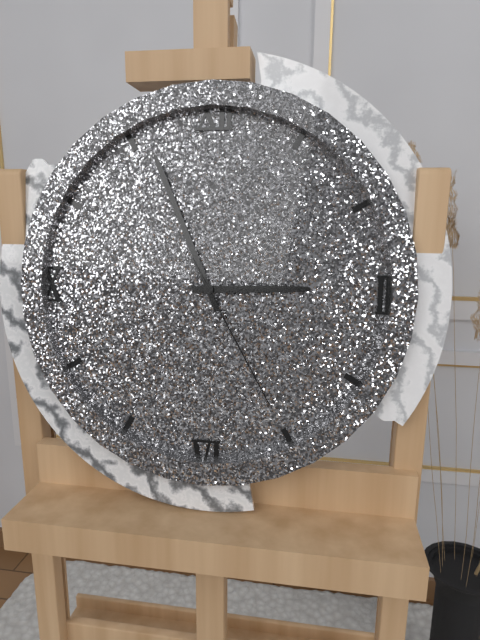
2,56,25
